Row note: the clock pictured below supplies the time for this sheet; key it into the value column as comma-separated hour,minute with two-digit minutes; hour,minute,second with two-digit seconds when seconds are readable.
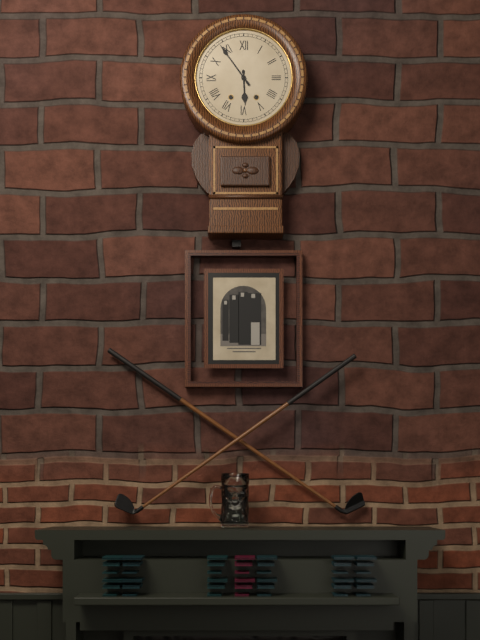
5,54
